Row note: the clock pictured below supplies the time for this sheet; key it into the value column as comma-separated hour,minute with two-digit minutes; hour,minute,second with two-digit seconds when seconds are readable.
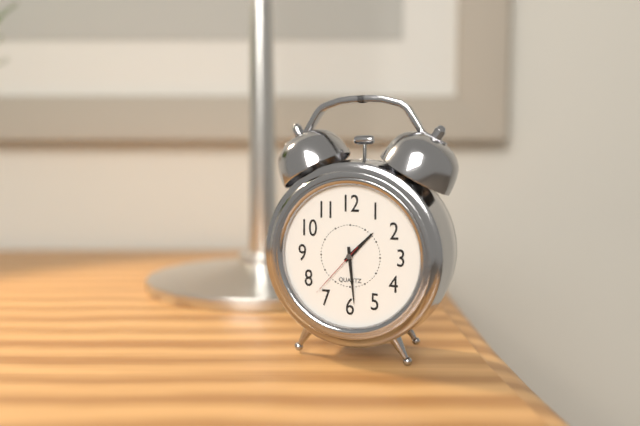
1,29,37
